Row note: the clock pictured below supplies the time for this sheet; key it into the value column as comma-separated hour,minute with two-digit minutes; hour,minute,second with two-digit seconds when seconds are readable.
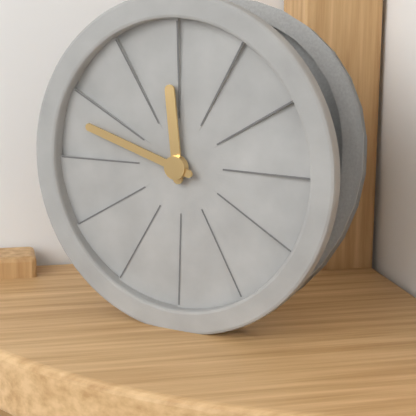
11,48
